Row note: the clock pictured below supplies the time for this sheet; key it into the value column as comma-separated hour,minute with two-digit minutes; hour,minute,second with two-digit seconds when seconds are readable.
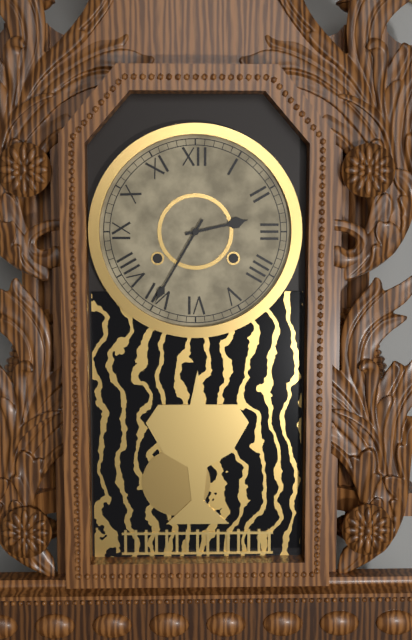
2,35
